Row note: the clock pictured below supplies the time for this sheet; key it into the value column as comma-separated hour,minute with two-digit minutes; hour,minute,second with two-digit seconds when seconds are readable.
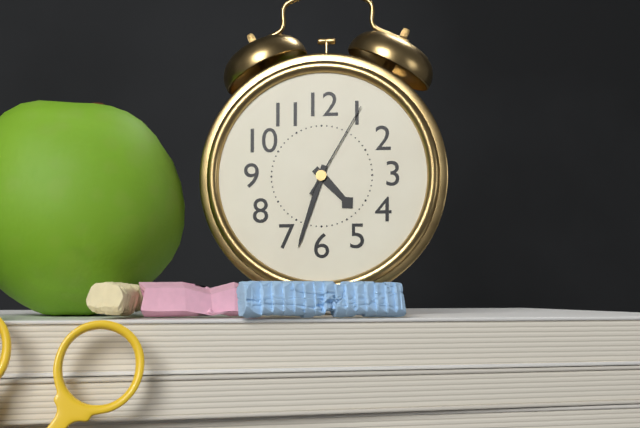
4,33,05
